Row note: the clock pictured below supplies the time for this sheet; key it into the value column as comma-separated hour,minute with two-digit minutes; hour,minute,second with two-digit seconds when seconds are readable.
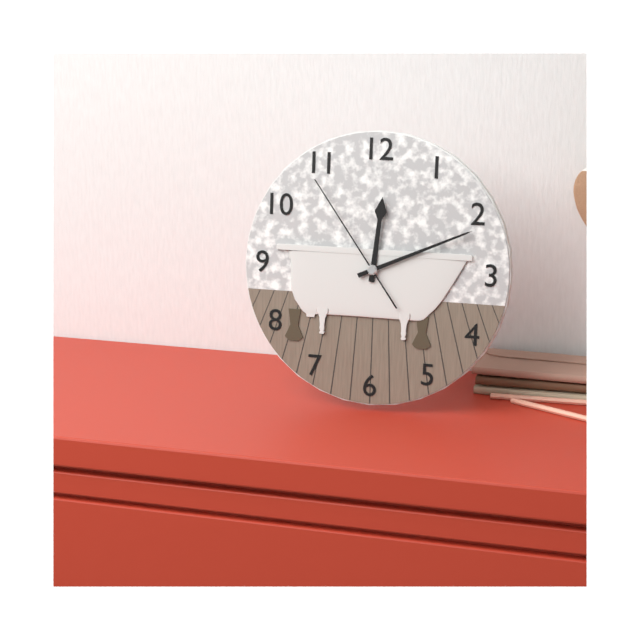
12,11,54
